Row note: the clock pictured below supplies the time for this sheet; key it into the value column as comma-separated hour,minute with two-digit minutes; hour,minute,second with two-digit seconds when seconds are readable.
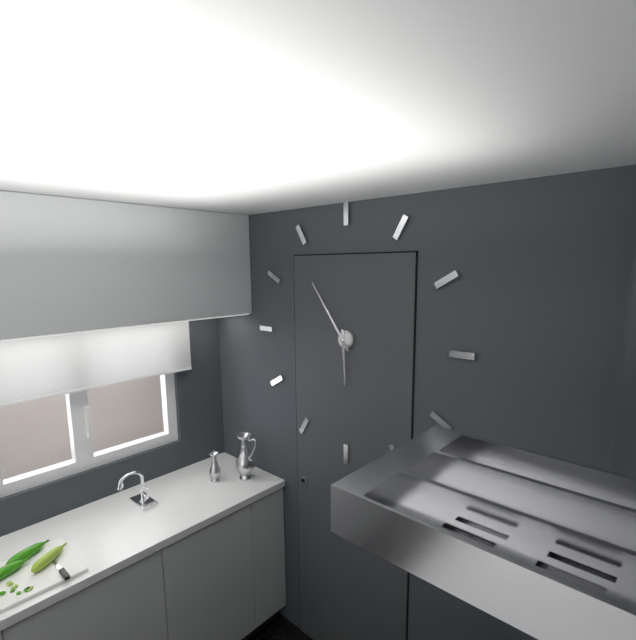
5,54
